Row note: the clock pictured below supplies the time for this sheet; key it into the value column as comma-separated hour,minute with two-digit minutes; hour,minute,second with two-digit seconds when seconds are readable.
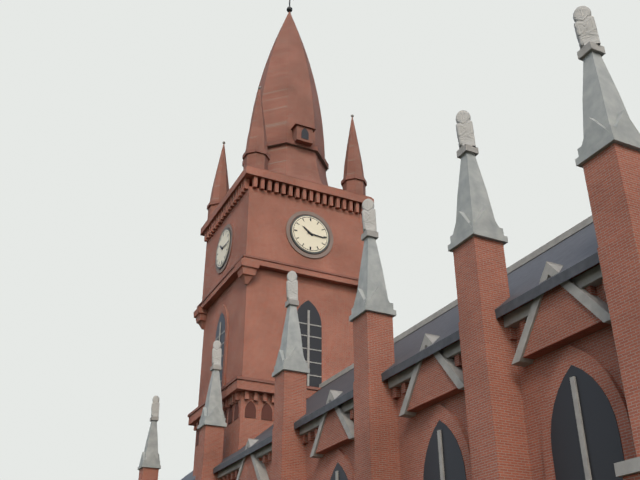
10,16
